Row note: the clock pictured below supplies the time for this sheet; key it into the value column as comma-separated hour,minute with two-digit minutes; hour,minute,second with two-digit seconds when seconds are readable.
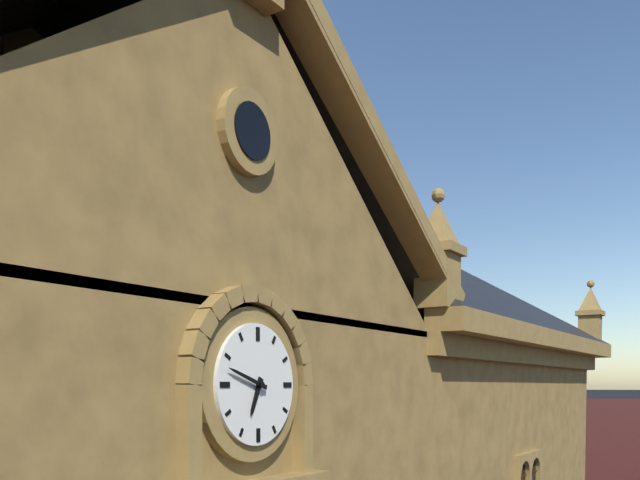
6,48
